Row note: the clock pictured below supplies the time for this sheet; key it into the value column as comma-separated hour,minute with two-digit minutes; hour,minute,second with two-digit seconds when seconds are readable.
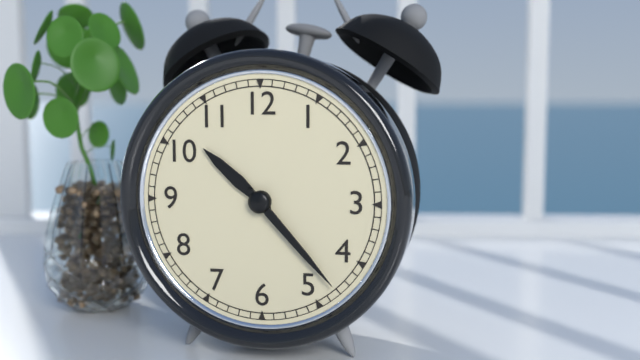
10,23
